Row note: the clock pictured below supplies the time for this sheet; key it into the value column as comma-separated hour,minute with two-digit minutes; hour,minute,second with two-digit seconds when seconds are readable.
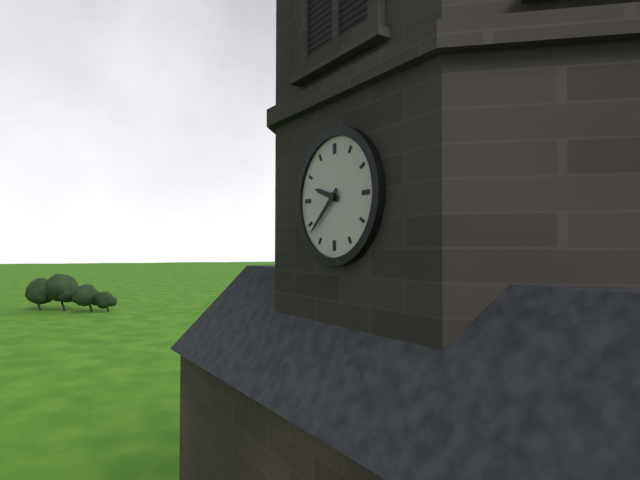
9,38
